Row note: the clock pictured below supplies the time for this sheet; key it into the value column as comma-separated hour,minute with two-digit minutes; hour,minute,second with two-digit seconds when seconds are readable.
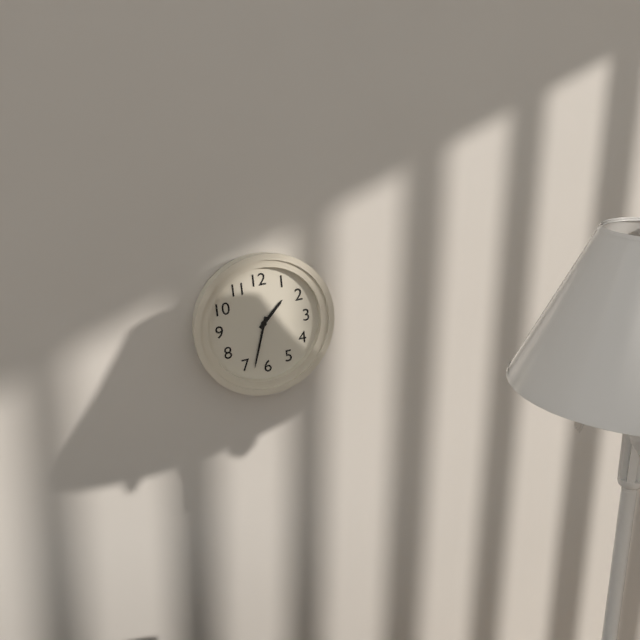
1,33
